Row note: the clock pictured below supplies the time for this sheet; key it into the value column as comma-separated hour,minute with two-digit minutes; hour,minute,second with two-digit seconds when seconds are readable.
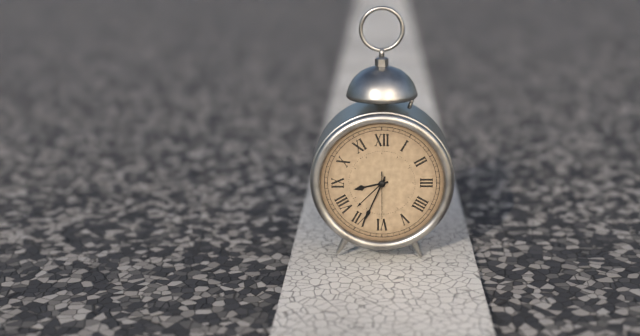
8,34
